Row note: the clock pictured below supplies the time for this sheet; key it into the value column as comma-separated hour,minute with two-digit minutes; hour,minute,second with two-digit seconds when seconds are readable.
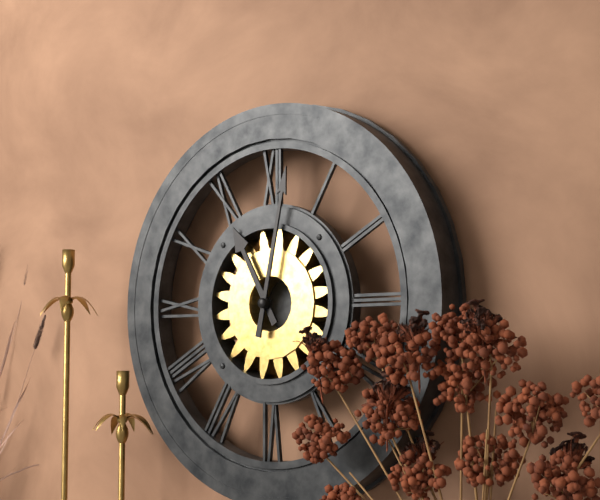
11,02
